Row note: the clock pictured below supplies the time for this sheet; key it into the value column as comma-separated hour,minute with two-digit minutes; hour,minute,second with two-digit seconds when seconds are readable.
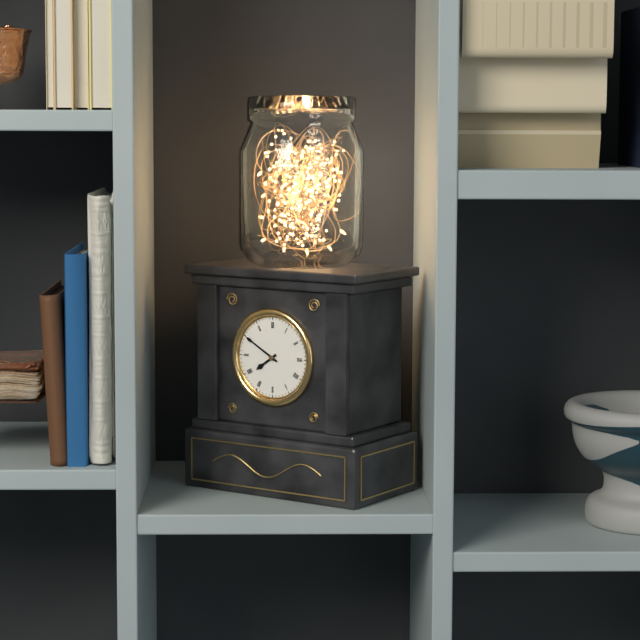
7,50
